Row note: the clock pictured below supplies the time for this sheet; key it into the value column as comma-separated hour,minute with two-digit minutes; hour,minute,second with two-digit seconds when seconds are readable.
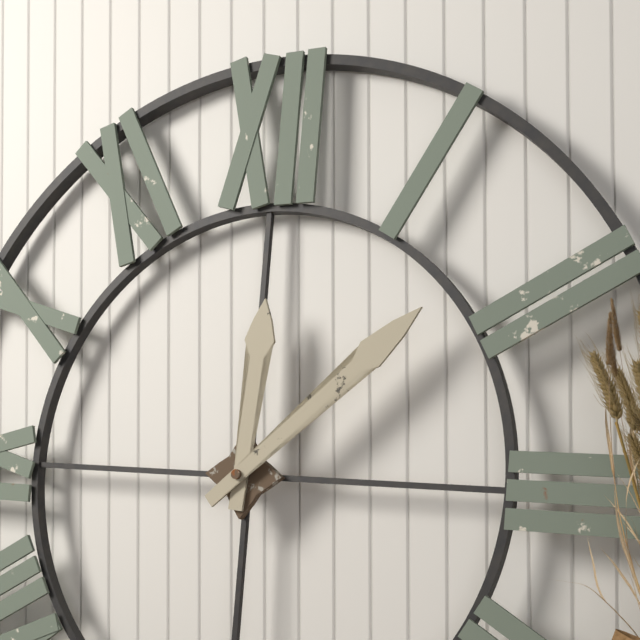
12,08
